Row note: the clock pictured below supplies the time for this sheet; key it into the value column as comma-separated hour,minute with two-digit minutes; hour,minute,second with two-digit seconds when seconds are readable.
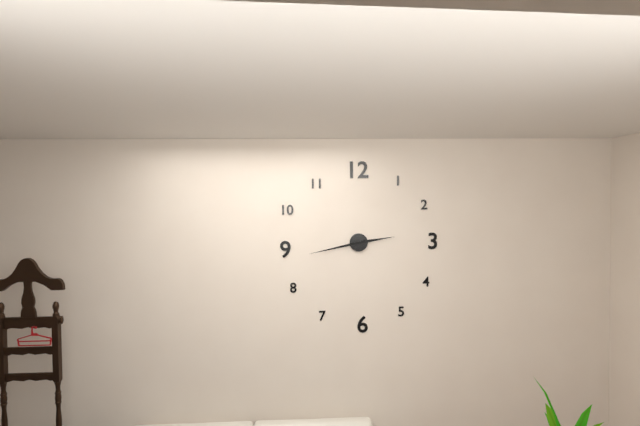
2,43
